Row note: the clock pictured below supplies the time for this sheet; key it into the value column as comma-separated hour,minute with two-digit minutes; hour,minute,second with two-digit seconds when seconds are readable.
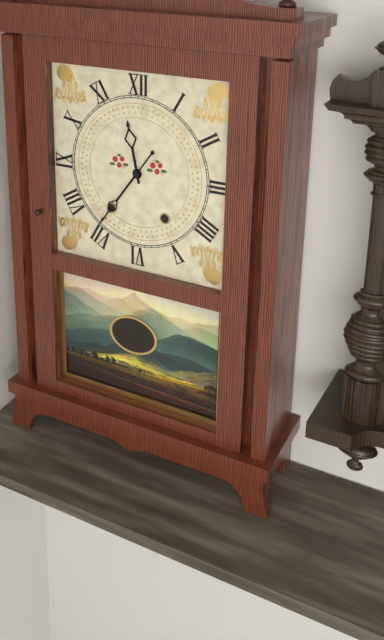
11,36
